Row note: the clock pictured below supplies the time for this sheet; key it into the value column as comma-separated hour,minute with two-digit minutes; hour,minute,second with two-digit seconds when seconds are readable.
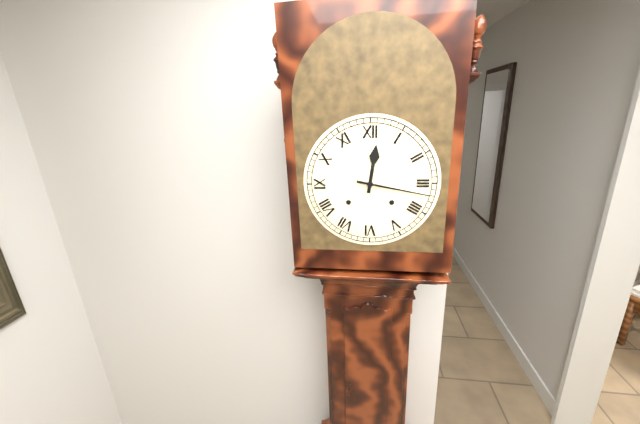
12,17
